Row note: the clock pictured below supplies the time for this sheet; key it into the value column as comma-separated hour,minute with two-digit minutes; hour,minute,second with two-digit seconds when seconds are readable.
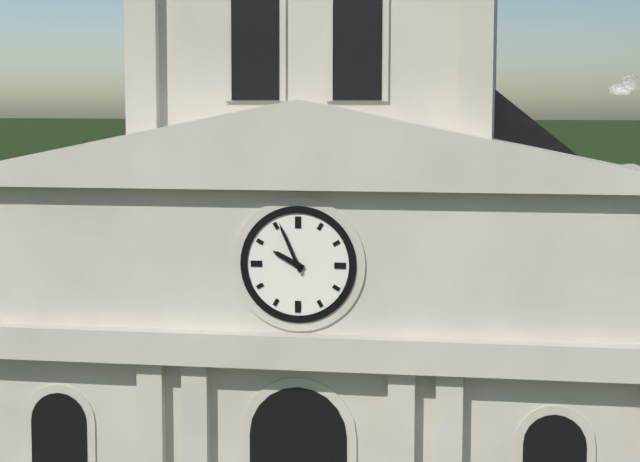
9,56
